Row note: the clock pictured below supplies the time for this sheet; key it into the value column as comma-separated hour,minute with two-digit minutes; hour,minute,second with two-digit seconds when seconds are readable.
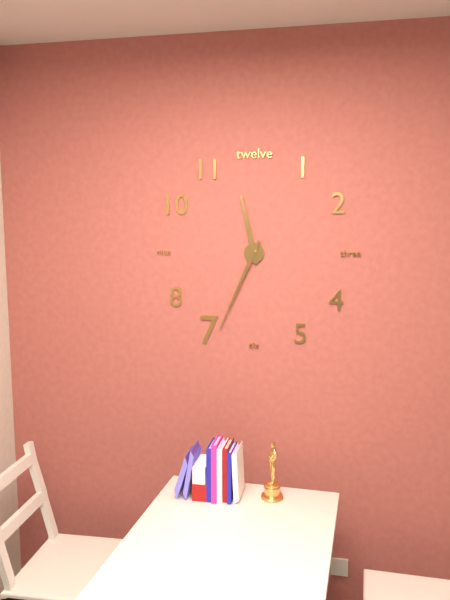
11,34
